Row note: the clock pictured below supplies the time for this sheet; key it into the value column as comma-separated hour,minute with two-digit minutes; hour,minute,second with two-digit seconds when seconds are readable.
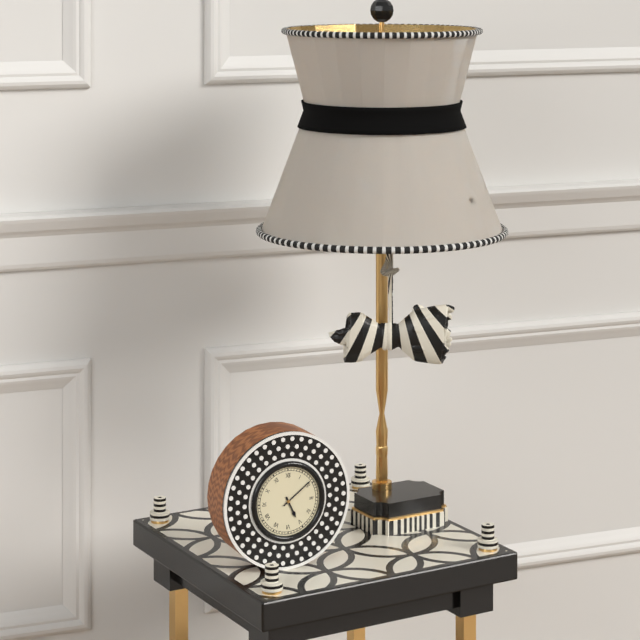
5,09
